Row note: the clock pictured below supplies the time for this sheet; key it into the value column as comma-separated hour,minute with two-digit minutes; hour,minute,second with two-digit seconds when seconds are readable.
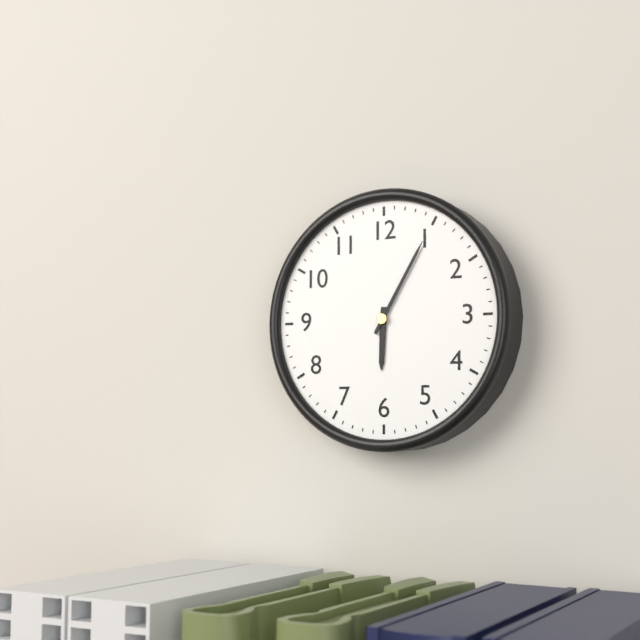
6,05
